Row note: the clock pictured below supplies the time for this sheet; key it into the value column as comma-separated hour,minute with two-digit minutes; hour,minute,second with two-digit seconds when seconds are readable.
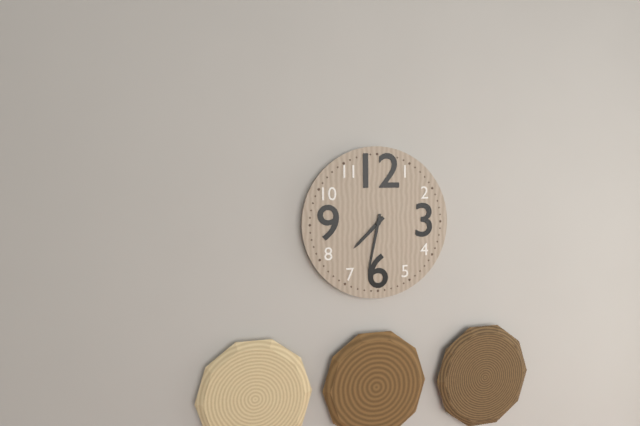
7,32
